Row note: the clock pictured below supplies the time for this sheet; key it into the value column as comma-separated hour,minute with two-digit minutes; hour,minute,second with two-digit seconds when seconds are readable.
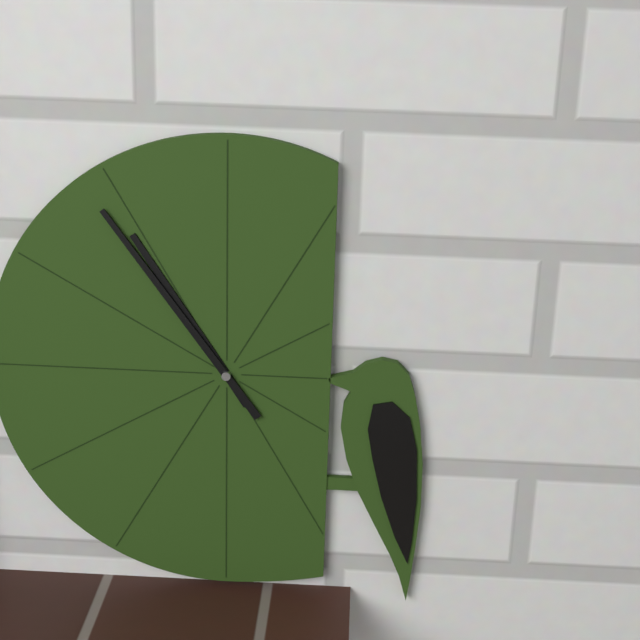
10,54
